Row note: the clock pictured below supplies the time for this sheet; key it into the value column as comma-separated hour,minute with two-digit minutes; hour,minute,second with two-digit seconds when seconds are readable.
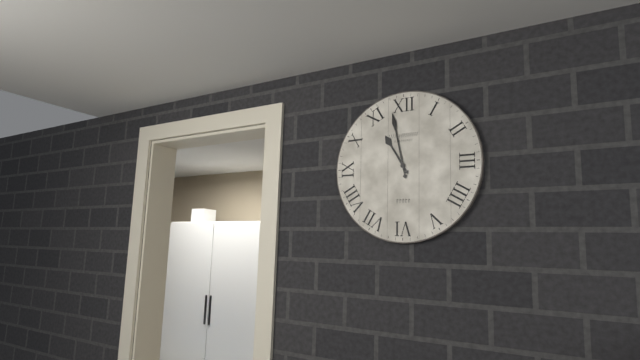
10,58
